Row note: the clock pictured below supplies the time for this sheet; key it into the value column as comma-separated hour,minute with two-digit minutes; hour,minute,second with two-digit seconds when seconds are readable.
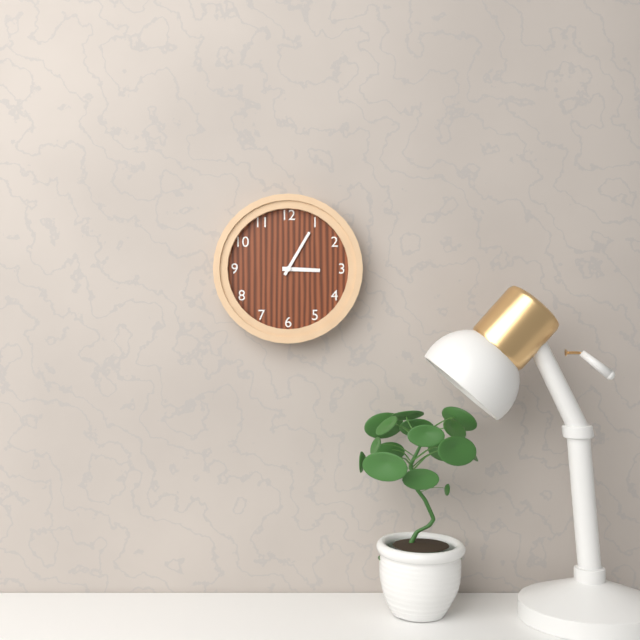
3,05
